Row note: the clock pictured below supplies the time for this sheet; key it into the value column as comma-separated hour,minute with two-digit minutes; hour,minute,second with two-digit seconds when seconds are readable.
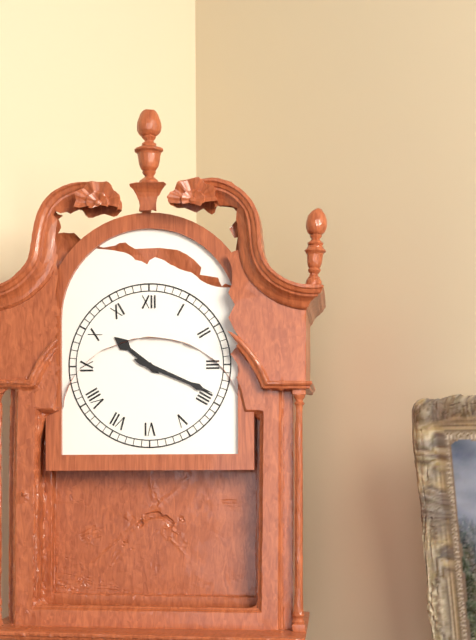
10,19
